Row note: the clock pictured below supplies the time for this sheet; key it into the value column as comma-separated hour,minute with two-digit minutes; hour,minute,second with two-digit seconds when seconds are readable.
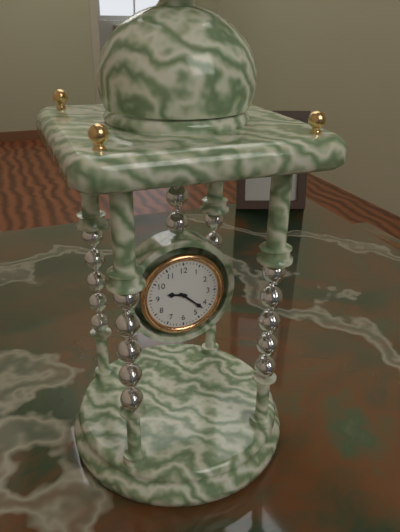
9,22
